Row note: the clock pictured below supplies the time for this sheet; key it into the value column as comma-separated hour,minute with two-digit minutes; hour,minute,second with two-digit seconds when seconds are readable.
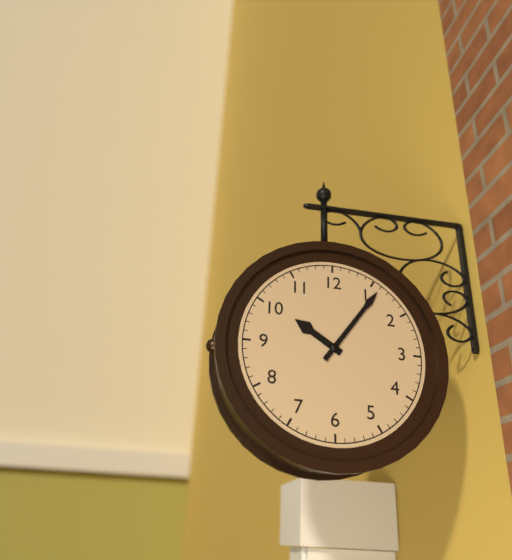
10,06
